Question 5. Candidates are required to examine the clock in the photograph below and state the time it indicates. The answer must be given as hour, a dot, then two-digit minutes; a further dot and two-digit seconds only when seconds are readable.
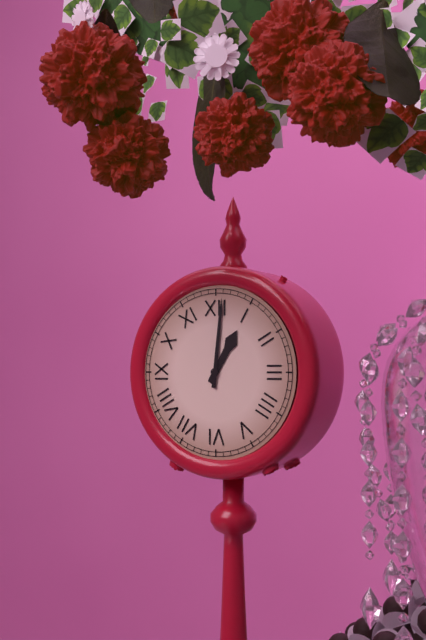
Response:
1.01
